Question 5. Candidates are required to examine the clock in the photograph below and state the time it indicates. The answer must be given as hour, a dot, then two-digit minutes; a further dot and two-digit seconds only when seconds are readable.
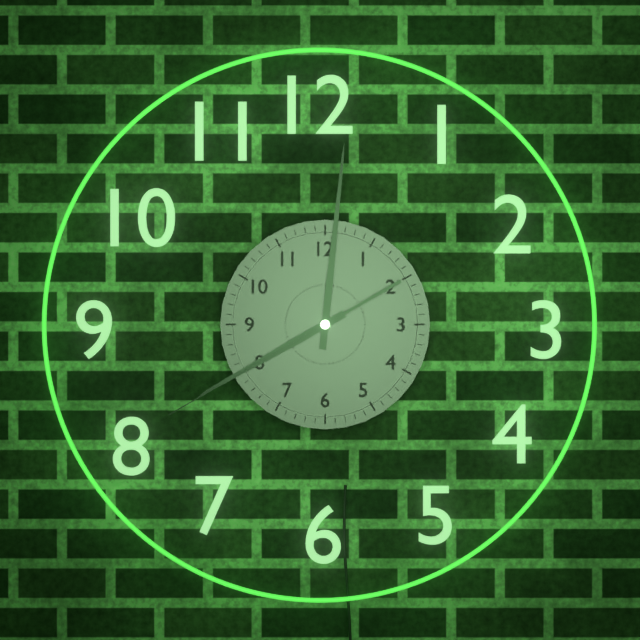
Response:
8.01.40
